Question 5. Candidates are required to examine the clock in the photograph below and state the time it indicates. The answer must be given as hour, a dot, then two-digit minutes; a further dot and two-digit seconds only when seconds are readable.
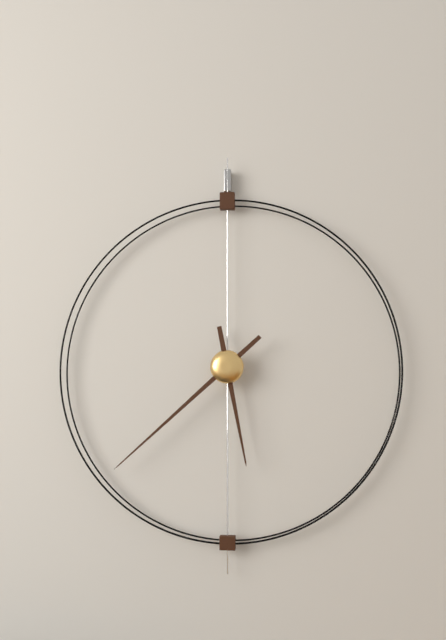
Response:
5.38
